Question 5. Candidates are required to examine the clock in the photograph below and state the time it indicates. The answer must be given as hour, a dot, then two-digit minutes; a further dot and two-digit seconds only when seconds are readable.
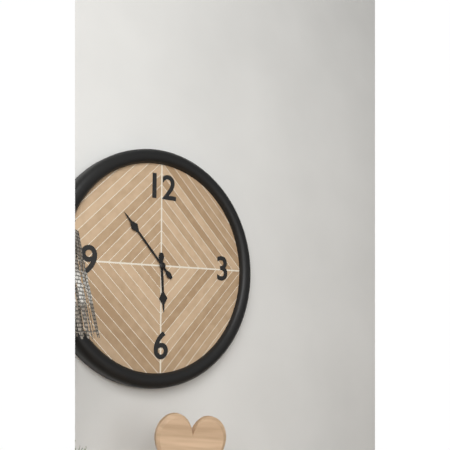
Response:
5.53
